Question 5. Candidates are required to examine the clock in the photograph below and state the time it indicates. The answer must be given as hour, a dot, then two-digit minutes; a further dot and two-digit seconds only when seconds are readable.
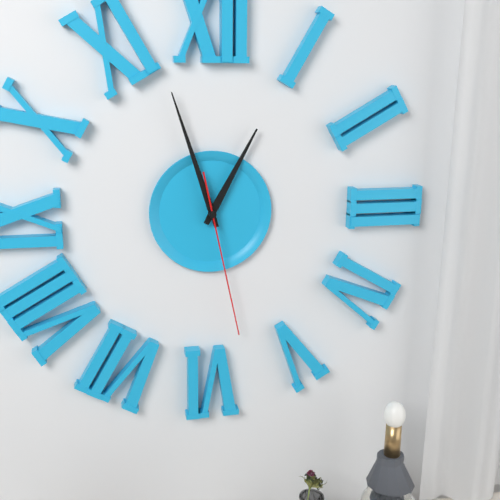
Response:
12.57.28
